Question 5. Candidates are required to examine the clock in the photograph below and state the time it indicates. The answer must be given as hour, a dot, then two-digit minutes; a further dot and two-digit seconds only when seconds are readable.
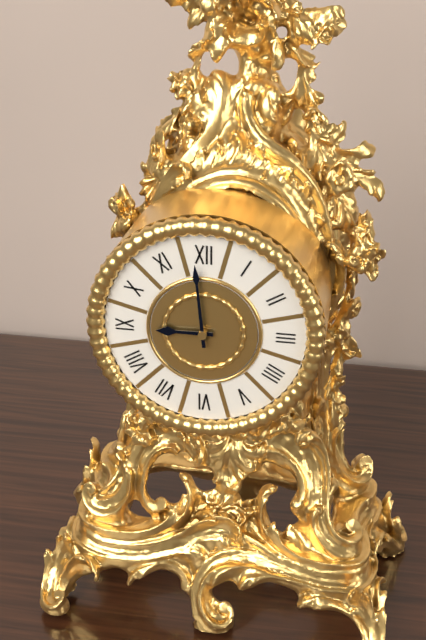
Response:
8.59
